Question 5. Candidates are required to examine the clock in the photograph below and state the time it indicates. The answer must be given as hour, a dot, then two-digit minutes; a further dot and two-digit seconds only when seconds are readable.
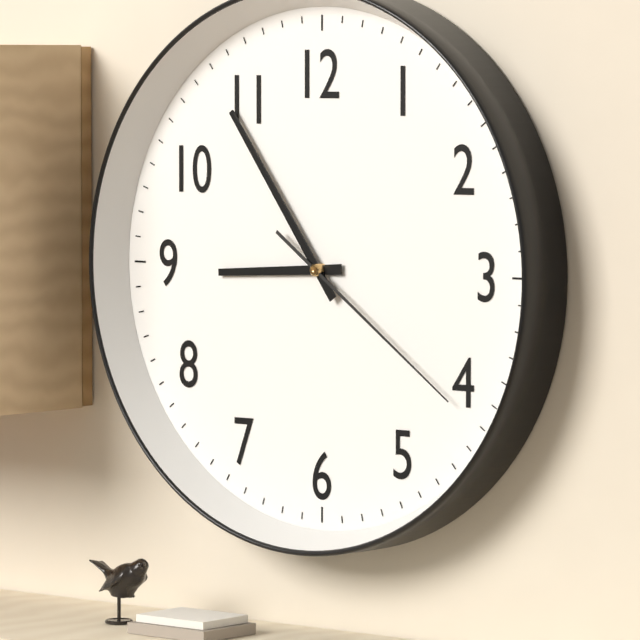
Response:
8.54.21
